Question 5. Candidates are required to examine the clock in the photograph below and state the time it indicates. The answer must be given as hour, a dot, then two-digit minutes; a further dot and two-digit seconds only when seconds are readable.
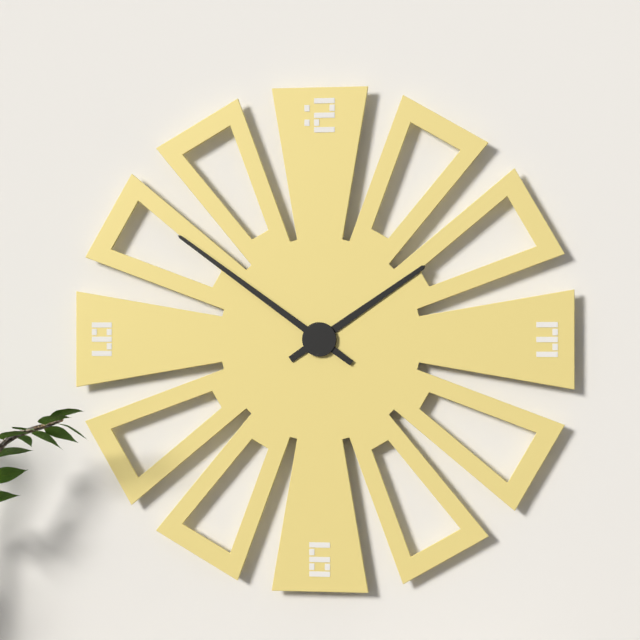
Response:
1.51
